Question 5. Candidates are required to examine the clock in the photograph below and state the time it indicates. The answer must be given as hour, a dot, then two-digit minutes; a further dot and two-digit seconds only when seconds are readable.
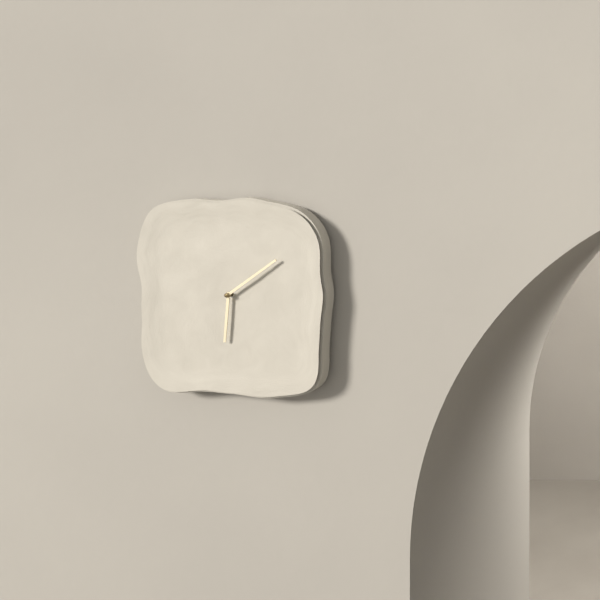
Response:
6.09
